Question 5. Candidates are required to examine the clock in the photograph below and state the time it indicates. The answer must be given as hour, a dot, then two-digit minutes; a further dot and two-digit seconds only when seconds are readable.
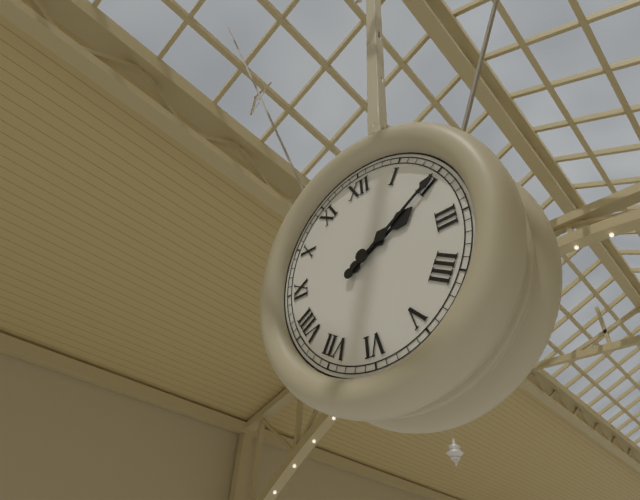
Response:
2.10
